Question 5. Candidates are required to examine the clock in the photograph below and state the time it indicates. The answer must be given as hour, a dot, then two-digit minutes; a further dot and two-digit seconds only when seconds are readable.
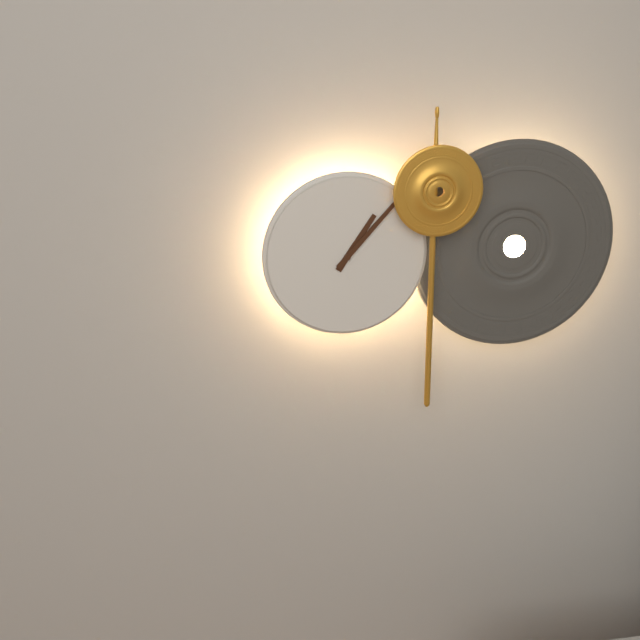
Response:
1.07
